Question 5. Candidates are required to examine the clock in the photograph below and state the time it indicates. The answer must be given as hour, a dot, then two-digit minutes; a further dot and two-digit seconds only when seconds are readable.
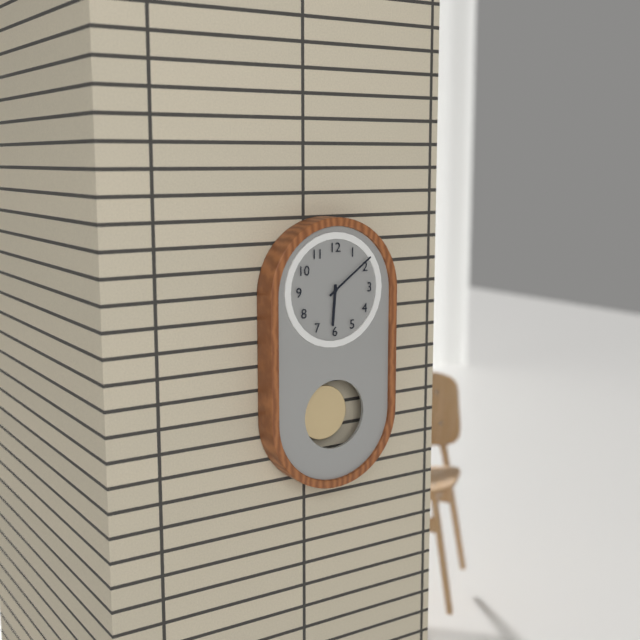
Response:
6.09
